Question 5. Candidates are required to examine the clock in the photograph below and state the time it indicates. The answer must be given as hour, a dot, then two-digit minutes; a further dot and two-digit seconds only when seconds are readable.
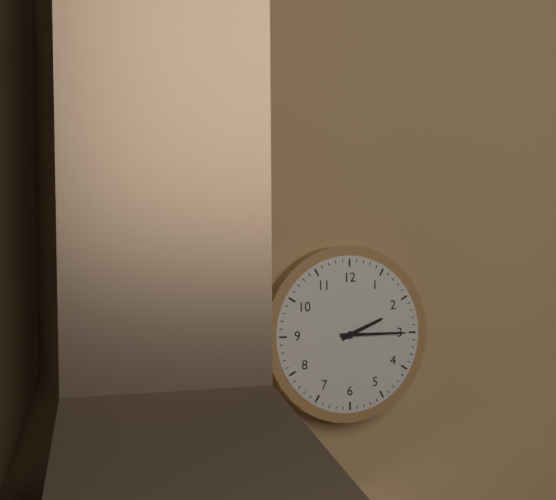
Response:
2.15
